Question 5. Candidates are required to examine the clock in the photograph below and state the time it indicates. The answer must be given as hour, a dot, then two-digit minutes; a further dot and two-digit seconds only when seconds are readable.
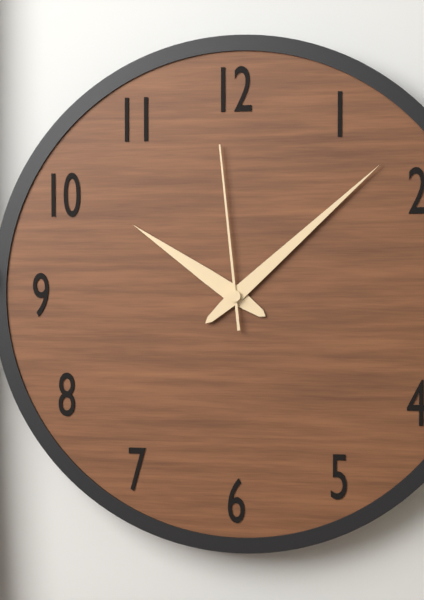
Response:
10.08.59
